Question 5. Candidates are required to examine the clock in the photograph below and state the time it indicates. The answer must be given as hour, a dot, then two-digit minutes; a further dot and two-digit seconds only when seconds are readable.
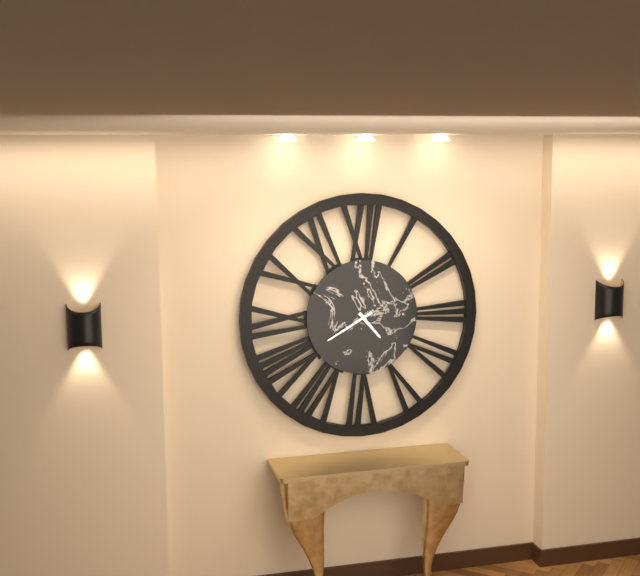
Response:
4.40
